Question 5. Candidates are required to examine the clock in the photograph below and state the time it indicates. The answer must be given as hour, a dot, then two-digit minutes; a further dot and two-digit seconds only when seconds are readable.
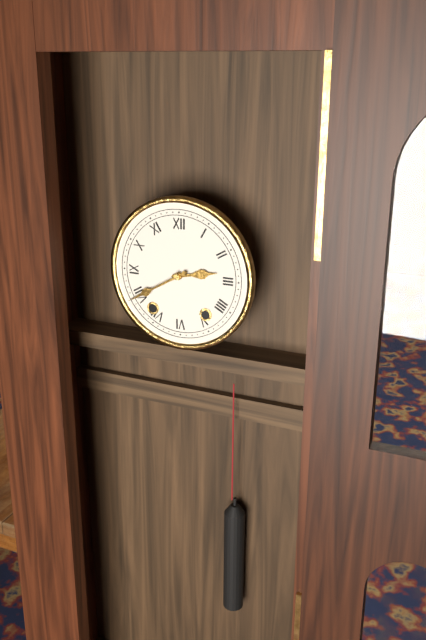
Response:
2.40
